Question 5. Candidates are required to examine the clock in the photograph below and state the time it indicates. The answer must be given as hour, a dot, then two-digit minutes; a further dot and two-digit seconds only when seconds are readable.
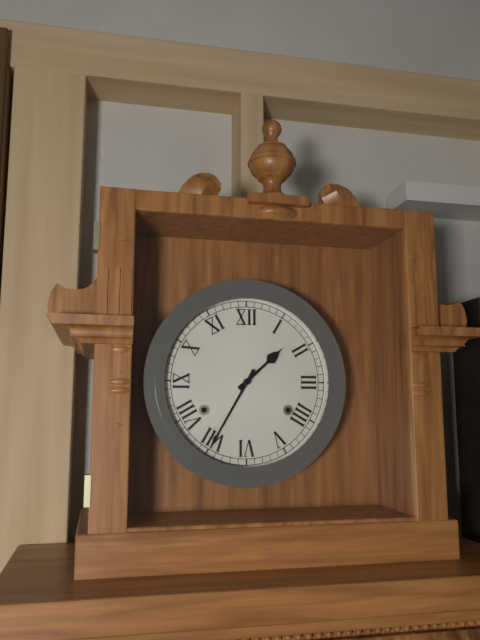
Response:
1.35
